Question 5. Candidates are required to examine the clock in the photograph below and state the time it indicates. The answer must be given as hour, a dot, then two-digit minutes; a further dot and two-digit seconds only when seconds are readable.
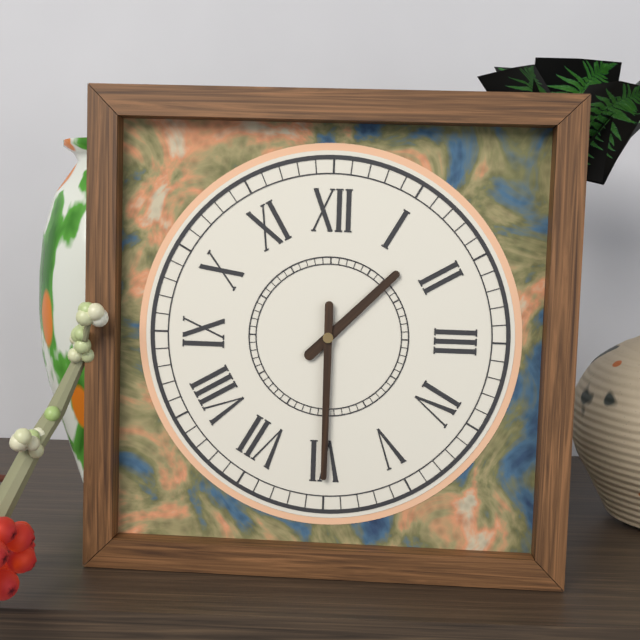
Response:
1.30
